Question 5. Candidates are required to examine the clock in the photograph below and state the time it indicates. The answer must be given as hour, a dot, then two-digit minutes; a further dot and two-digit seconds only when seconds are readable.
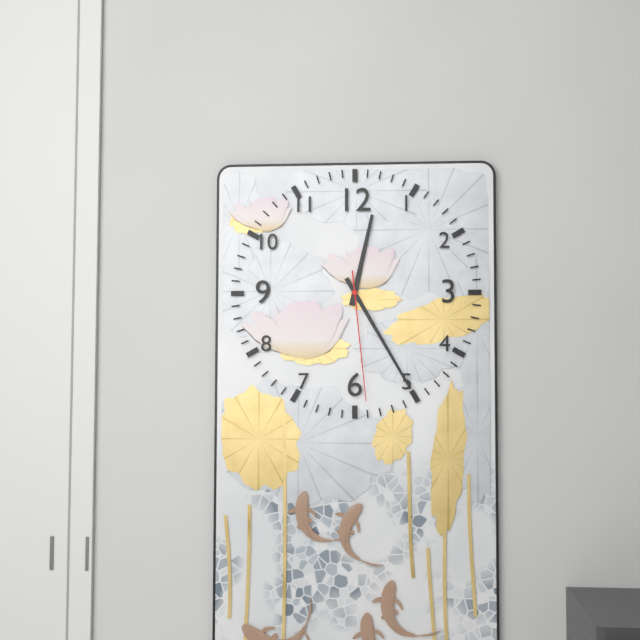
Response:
12.25.29
